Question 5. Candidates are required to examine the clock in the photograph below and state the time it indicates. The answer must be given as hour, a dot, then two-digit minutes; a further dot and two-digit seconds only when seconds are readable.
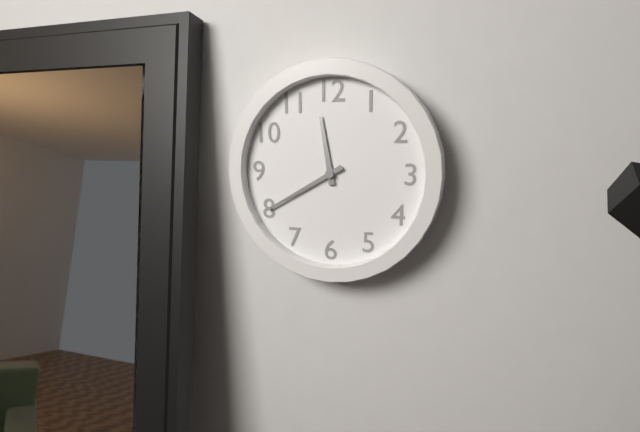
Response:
11.40
